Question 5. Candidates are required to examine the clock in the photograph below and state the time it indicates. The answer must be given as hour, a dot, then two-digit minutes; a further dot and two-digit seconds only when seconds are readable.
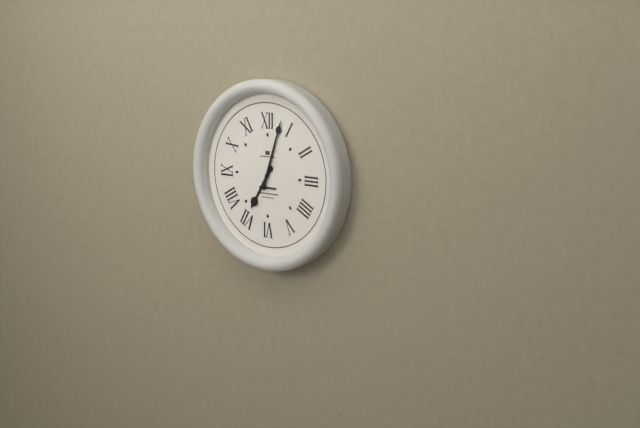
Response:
7.03
